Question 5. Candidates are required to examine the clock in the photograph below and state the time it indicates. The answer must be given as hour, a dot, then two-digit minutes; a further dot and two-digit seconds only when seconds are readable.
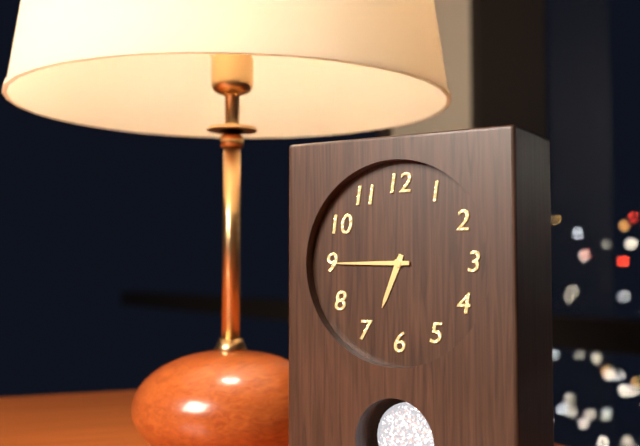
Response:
6.45
